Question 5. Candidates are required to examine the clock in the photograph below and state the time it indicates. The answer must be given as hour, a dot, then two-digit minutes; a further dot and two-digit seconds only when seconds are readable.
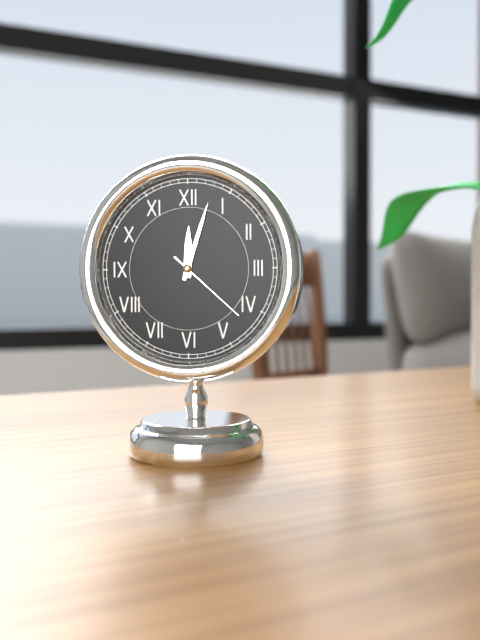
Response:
12.03.22
